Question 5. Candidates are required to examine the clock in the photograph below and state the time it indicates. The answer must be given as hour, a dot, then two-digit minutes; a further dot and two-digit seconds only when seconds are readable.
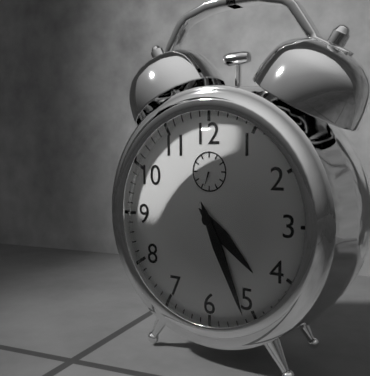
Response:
4.26
